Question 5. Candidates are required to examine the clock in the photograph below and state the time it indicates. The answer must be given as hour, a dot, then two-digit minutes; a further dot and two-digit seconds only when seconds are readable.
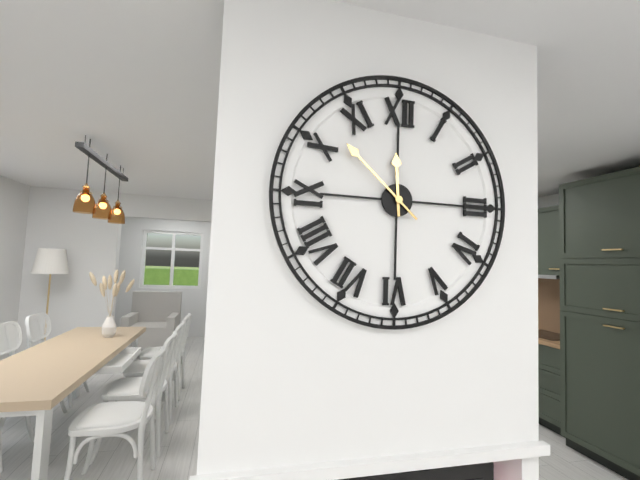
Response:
11.52
